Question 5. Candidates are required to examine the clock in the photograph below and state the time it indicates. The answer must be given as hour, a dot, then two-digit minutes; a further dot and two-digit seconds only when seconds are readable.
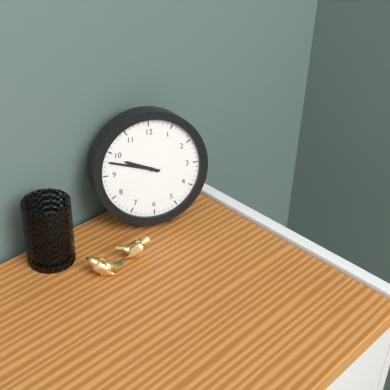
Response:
9.48
